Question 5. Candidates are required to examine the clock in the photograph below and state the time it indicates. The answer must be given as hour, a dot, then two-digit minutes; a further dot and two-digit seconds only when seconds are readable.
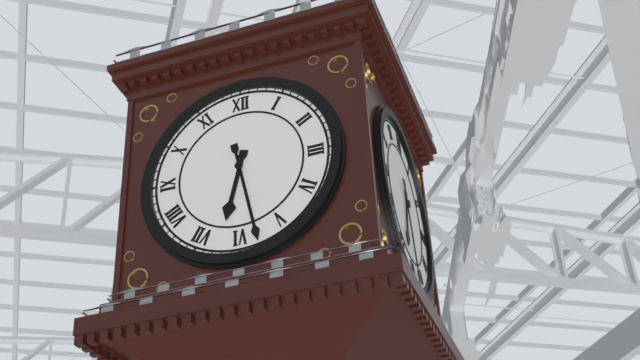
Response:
6.28
